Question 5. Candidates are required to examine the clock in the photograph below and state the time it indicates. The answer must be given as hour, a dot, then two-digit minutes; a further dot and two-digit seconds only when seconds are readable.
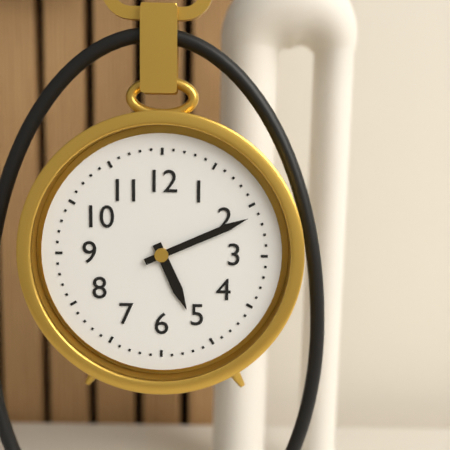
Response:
5.11
